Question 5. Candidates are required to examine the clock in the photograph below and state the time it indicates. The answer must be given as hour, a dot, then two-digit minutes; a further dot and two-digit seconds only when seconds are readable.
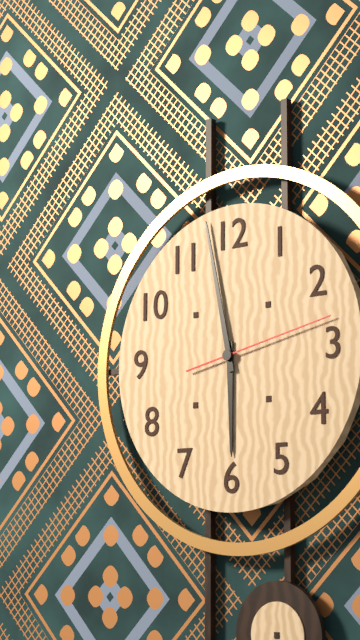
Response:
5.58.13
